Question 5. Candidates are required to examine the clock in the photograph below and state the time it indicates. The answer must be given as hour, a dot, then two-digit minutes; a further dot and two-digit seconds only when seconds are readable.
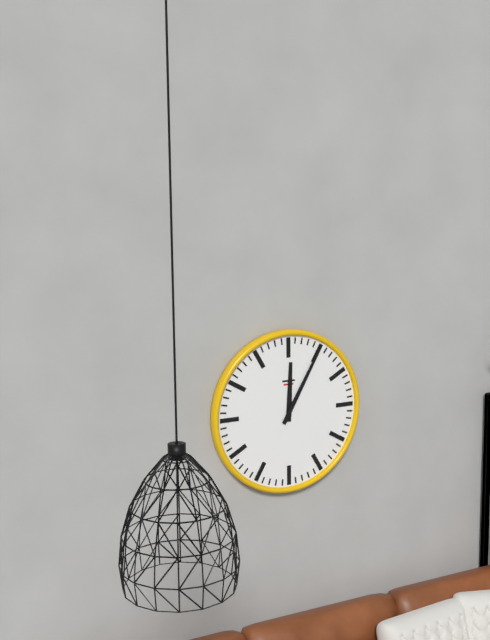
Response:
12.05
